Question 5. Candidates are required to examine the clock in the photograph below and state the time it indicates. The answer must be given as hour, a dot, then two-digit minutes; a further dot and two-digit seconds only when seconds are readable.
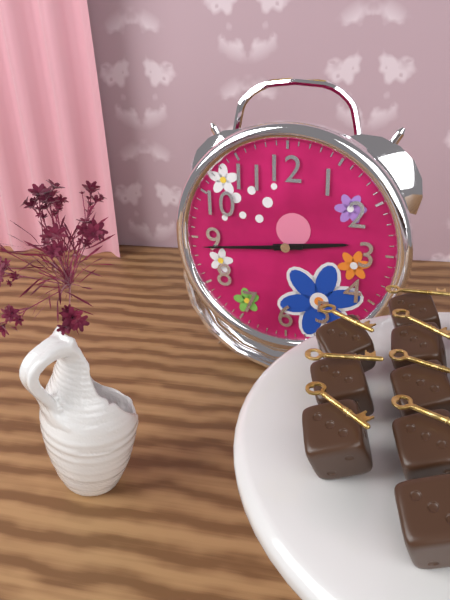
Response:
2.44
